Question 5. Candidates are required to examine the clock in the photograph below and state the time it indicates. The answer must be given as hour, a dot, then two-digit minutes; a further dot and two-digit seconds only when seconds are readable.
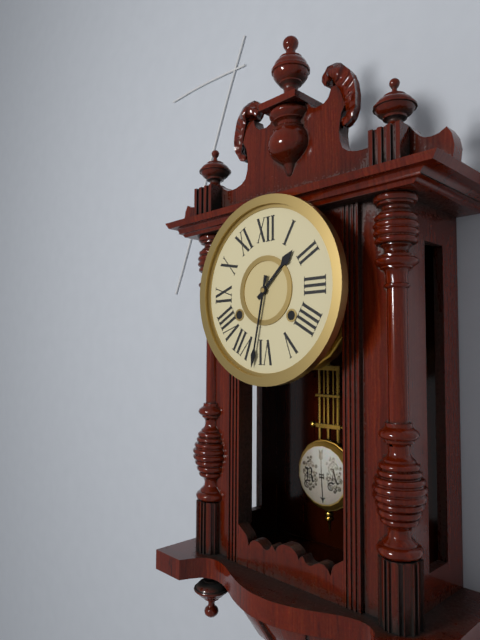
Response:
1.32
